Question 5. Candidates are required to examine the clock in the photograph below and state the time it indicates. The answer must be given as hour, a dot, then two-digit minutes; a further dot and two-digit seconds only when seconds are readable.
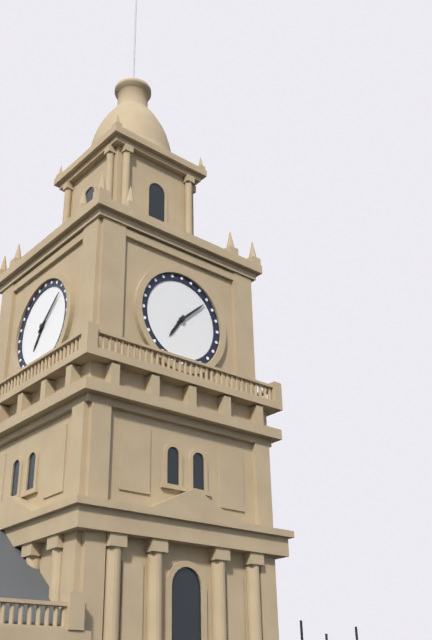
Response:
7.08
